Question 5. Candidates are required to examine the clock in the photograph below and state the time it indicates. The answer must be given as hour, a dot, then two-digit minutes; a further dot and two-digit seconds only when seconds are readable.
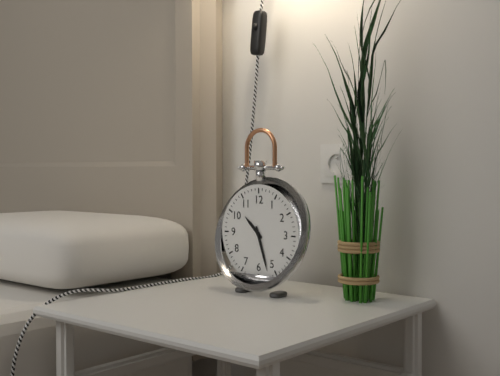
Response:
10.27
